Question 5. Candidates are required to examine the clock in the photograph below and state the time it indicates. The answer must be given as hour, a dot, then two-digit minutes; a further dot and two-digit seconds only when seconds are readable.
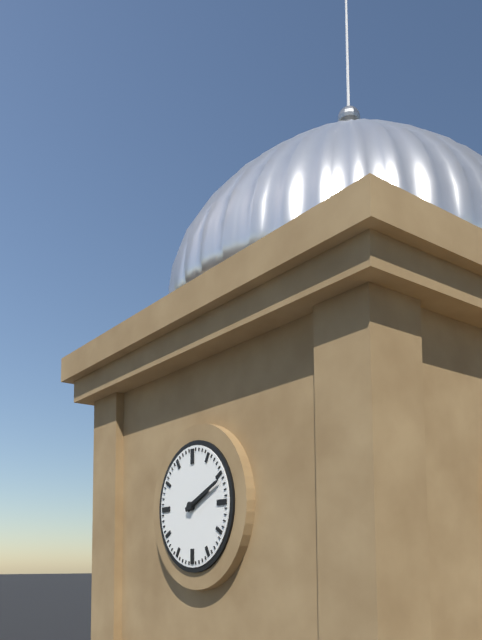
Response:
2.11
